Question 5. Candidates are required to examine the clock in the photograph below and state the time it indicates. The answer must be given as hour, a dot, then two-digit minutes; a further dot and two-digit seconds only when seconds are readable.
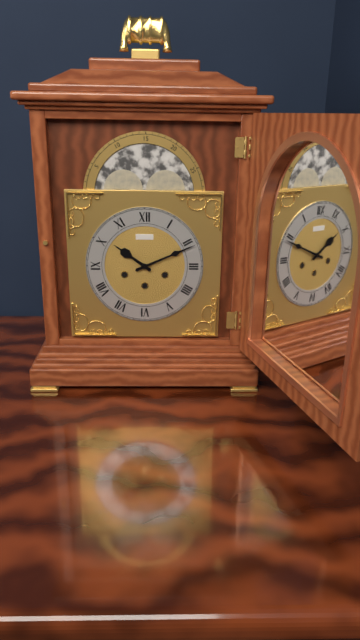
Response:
10.11
